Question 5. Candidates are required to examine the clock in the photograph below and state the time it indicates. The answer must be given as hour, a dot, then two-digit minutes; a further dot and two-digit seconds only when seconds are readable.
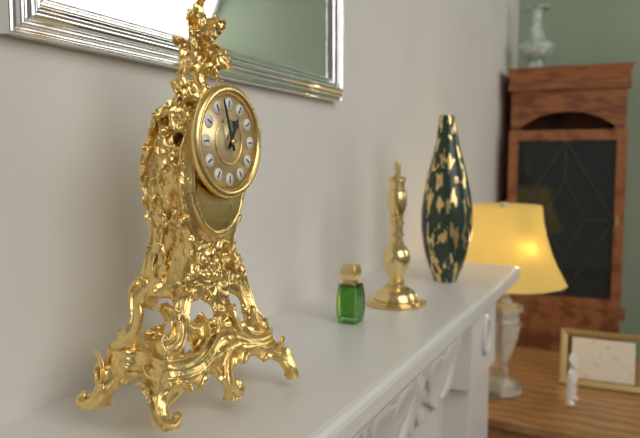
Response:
12.57
